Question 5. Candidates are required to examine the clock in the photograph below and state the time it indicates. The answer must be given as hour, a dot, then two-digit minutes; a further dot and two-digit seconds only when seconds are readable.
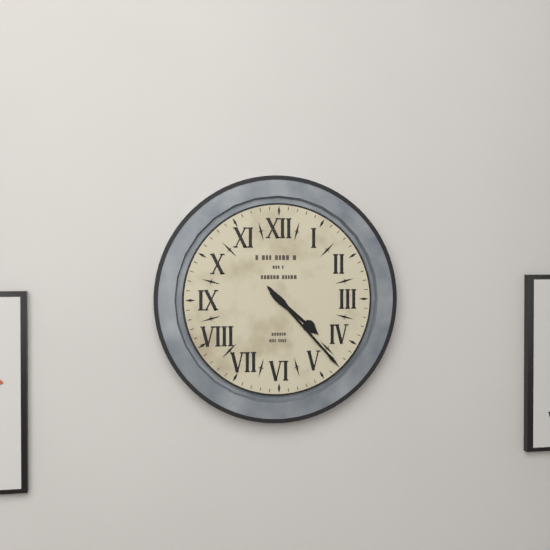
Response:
4.23
